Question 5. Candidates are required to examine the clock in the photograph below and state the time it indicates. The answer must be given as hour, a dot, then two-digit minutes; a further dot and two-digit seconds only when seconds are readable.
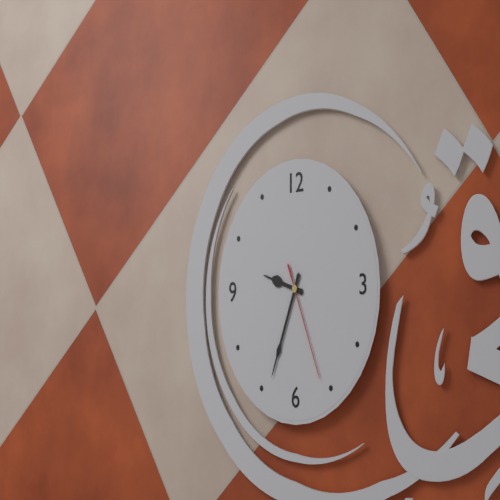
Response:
9.34.26
